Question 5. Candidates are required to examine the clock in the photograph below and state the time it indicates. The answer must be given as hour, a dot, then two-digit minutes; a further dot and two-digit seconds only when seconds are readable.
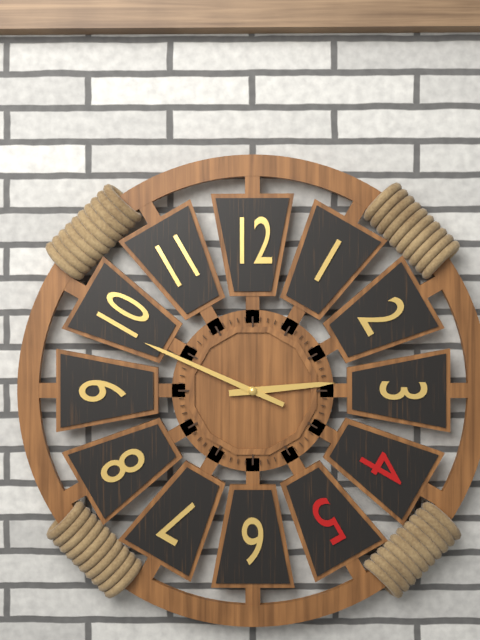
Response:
2.49
